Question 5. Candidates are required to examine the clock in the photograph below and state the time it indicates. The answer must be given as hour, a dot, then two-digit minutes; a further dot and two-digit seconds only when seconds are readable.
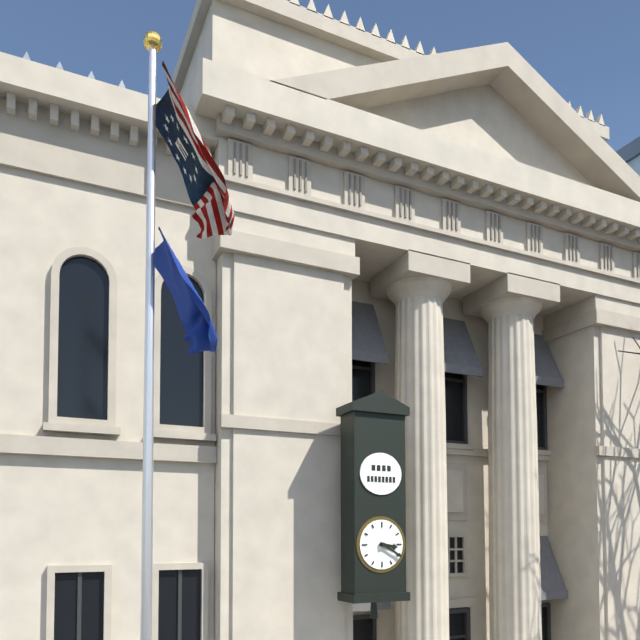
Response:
3.20
